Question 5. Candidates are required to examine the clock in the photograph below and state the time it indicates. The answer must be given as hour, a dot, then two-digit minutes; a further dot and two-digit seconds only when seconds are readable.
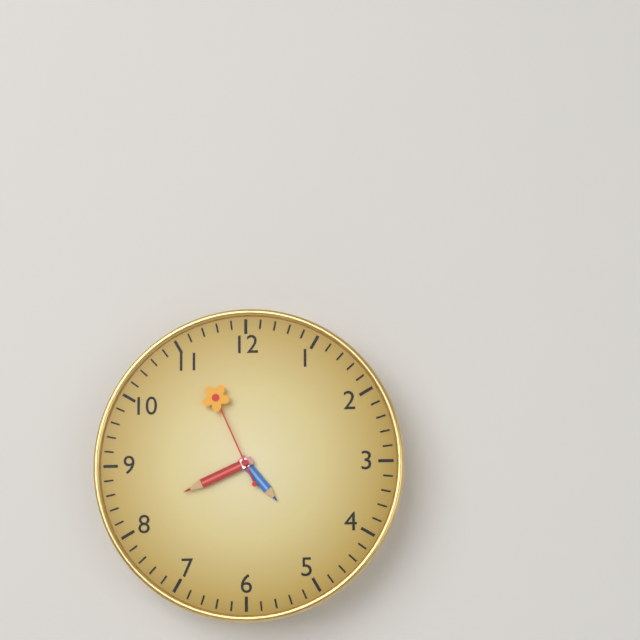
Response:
4.41.56
